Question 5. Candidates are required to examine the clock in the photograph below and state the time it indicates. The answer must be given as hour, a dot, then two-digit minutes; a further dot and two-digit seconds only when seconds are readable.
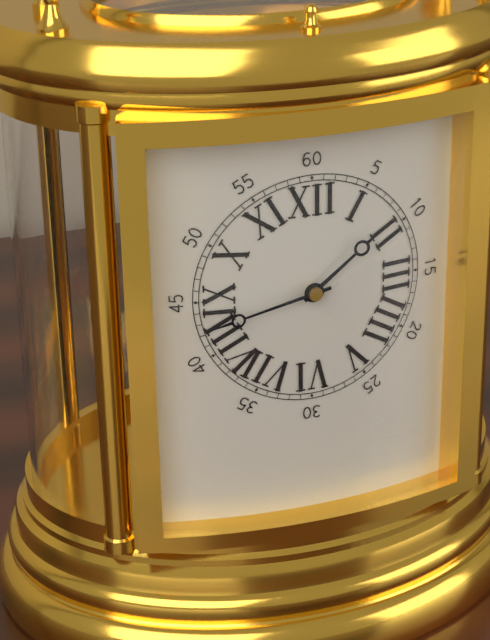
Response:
1.43
